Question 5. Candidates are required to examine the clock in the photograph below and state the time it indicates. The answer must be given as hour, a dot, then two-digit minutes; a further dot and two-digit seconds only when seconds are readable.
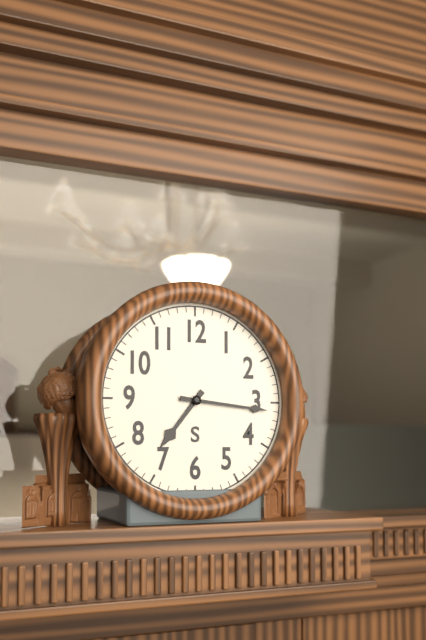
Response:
7.16
